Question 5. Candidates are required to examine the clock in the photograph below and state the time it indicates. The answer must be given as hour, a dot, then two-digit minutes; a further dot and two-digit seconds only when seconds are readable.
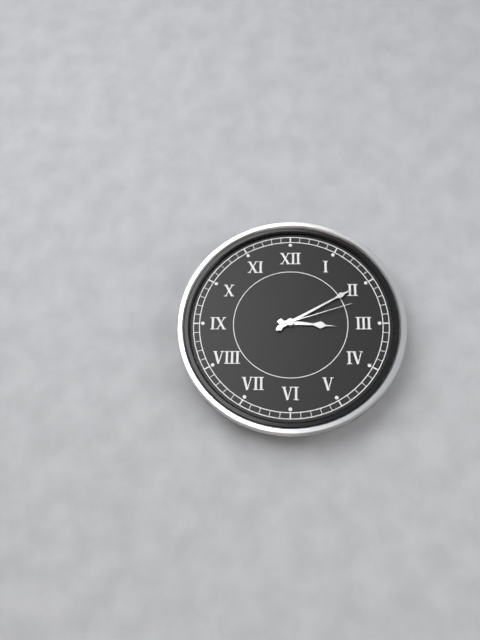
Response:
3.10.12
